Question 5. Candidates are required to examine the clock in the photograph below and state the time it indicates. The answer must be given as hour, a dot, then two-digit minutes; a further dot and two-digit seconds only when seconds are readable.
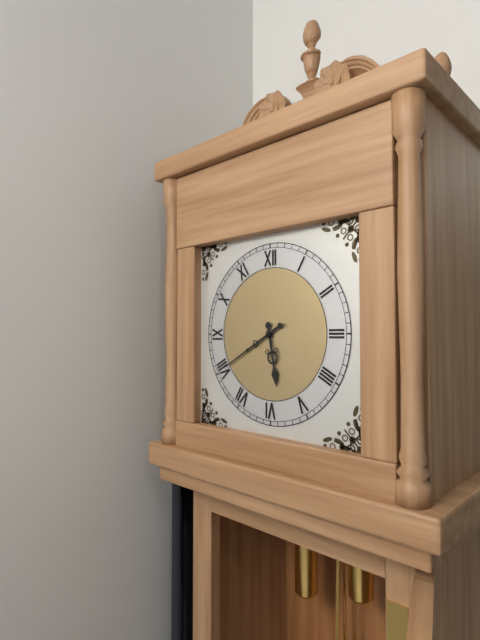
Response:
5.40
